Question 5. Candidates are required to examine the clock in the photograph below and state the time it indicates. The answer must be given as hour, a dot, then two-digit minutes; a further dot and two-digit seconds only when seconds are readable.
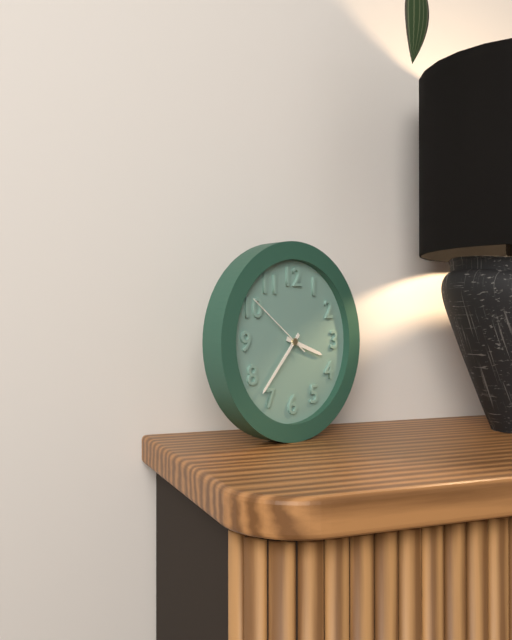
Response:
3.37.51
